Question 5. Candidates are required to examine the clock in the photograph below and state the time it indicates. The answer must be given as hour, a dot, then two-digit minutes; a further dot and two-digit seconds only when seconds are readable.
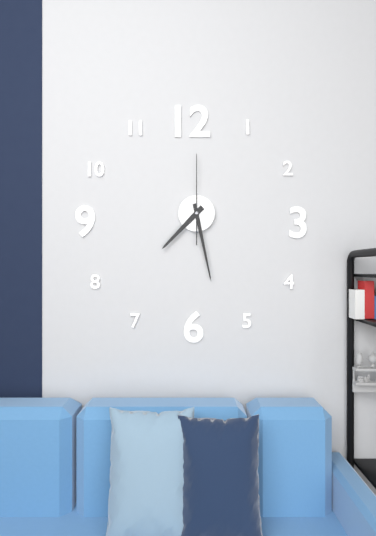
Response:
7.28.00
